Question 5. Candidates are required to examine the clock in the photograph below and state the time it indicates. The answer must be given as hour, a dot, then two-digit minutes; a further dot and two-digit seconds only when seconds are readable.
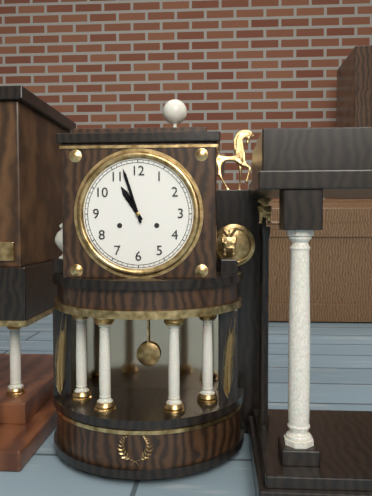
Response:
10.57
